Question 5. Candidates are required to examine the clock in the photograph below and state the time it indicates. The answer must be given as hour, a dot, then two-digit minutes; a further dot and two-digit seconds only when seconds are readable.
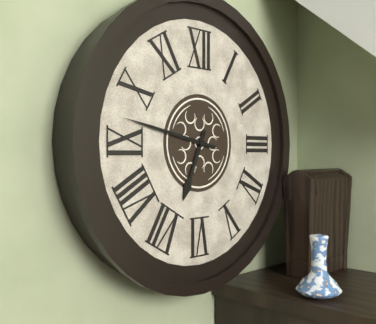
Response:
6.47
